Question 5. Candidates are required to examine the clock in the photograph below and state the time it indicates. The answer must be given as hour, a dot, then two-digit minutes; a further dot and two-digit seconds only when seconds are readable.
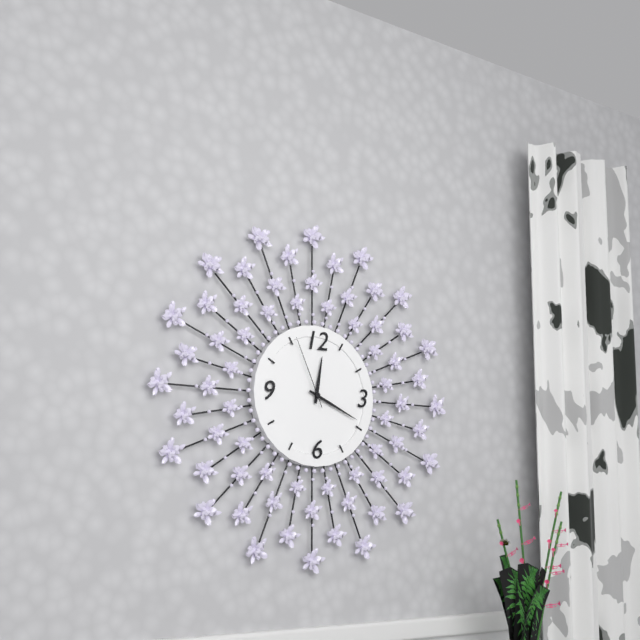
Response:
12.19.56
